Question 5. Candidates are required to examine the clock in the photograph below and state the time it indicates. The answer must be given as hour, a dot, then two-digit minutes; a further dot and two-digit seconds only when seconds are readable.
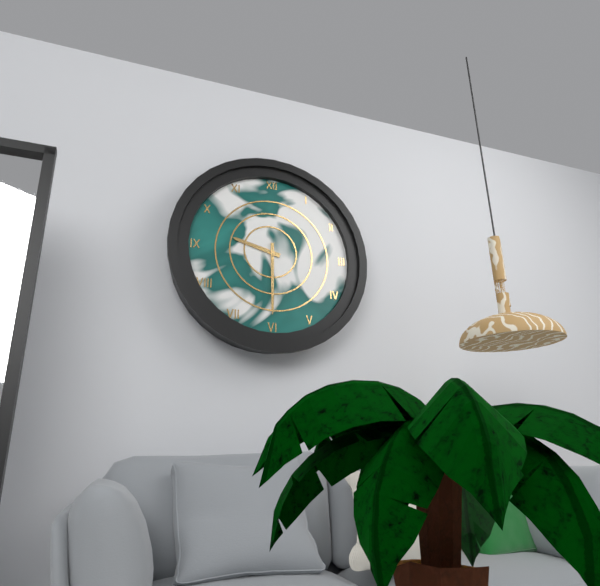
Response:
9.30
